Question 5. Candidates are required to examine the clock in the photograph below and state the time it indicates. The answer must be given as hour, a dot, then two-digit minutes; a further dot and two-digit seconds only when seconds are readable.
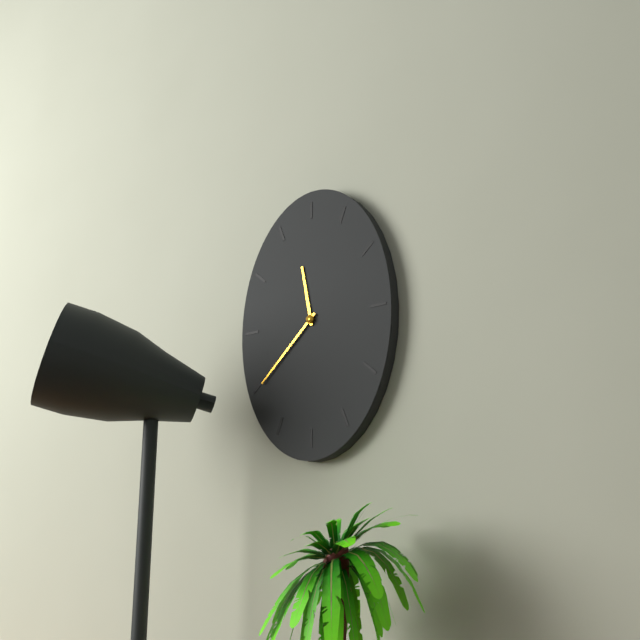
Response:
11.38
